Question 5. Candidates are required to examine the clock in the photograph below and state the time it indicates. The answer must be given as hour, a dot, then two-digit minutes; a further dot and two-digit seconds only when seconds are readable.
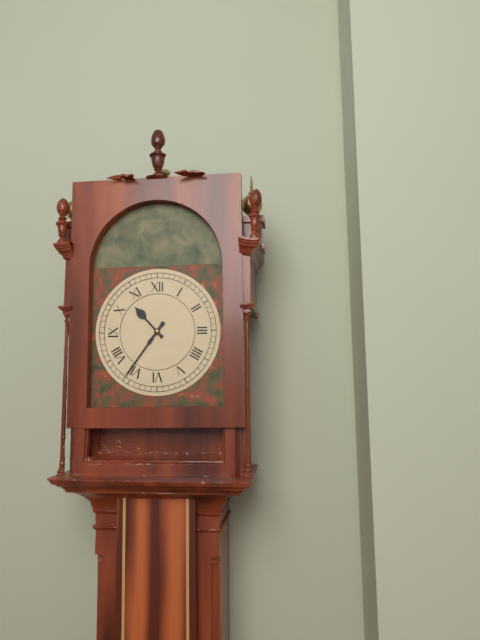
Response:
10.36
